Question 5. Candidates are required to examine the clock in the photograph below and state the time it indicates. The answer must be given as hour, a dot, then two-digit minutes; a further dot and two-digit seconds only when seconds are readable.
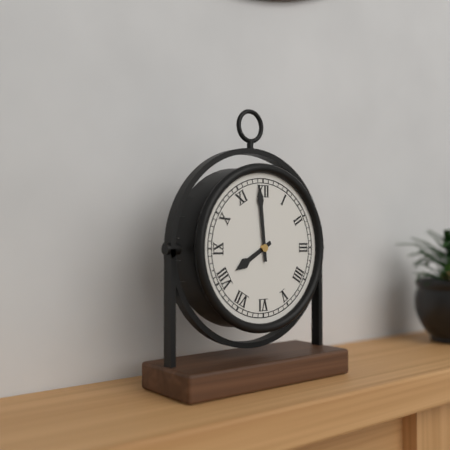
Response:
7.59
